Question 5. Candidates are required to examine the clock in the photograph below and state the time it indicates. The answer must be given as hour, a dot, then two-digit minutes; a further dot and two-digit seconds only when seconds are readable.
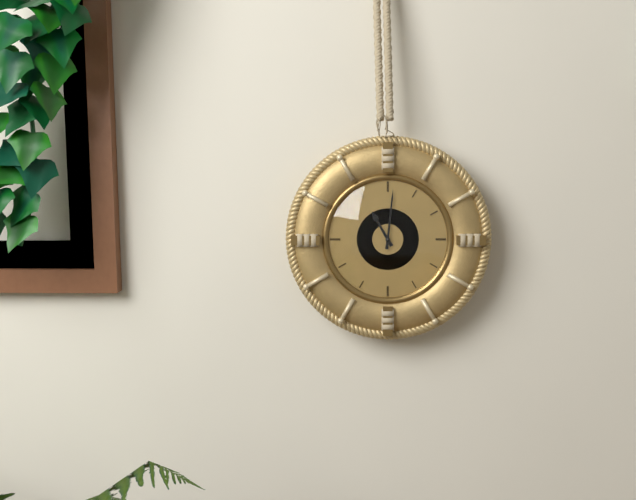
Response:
11.01
